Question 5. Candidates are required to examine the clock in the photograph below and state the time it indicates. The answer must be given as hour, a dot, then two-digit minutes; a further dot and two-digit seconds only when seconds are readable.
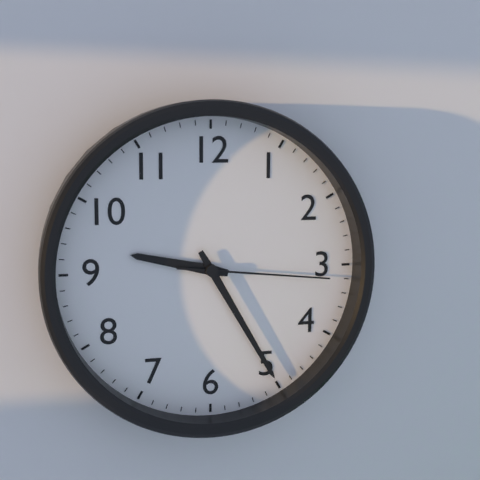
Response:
9.25.16
